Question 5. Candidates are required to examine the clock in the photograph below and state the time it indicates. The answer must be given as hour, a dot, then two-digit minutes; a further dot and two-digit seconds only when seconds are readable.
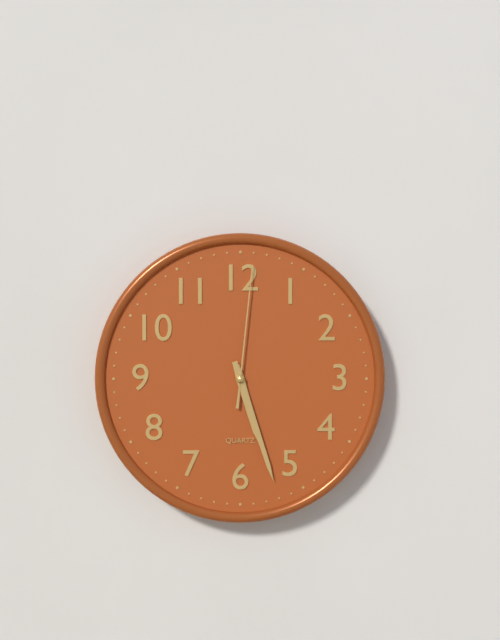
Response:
5.27.01
